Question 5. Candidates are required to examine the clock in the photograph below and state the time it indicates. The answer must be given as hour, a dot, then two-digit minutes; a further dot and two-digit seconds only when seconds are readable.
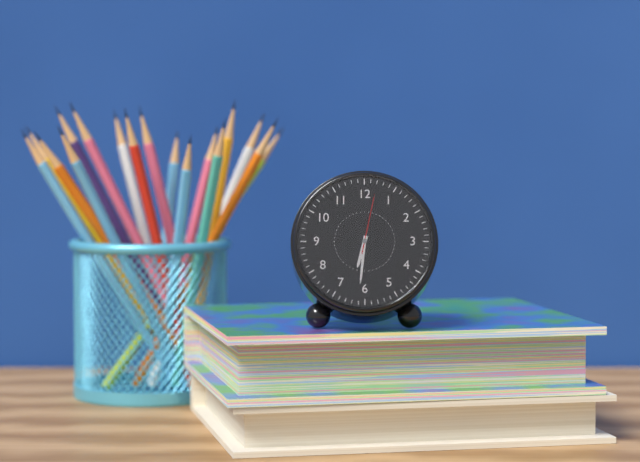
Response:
6.31.02
